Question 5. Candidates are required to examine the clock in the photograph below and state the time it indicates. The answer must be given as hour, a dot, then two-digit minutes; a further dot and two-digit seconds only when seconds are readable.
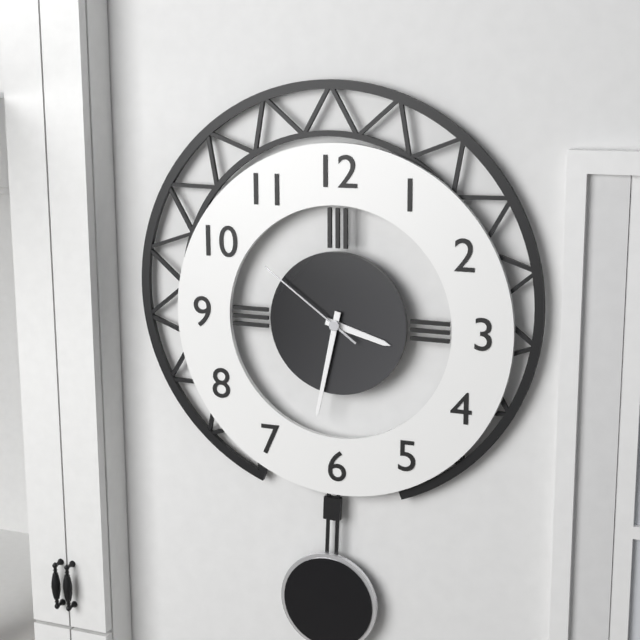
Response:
3.32.51
